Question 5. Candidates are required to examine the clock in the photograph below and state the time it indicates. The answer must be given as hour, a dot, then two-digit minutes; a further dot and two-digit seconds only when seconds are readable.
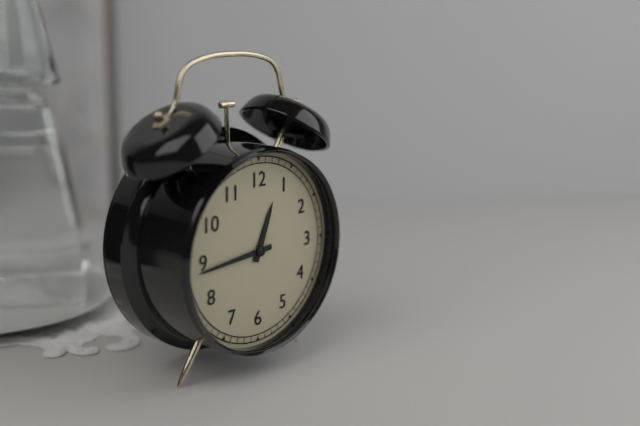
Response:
12.44
